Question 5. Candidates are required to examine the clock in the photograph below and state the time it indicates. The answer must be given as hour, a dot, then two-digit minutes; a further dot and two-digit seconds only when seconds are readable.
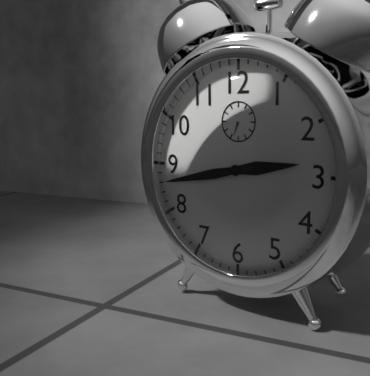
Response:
2.43
